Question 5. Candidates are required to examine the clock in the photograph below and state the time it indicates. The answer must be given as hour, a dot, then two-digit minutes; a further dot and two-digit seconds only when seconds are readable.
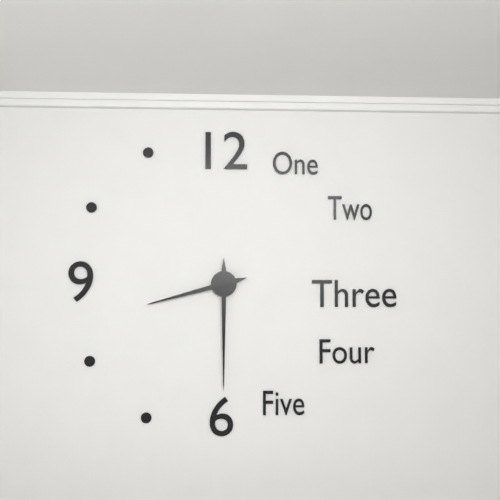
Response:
8.30
